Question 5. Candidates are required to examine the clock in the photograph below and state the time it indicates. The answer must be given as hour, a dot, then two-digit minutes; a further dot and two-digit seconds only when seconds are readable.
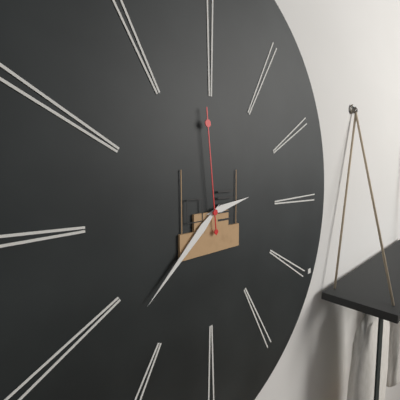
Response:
2.38.59
